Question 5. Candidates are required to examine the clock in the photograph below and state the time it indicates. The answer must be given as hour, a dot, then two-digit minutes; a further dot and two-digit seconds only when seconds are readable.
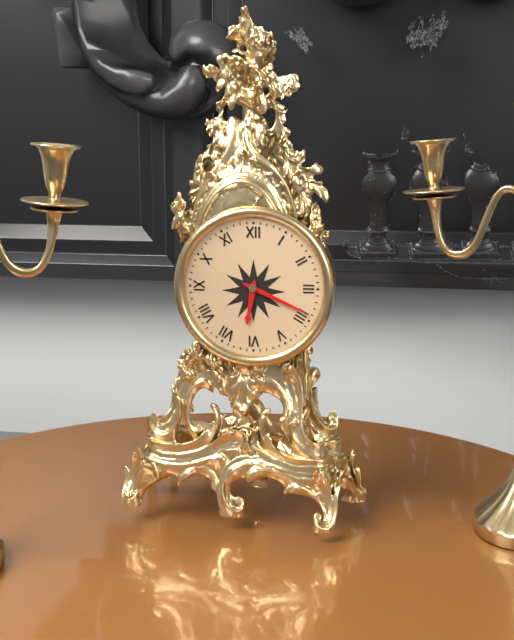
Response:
6.19
